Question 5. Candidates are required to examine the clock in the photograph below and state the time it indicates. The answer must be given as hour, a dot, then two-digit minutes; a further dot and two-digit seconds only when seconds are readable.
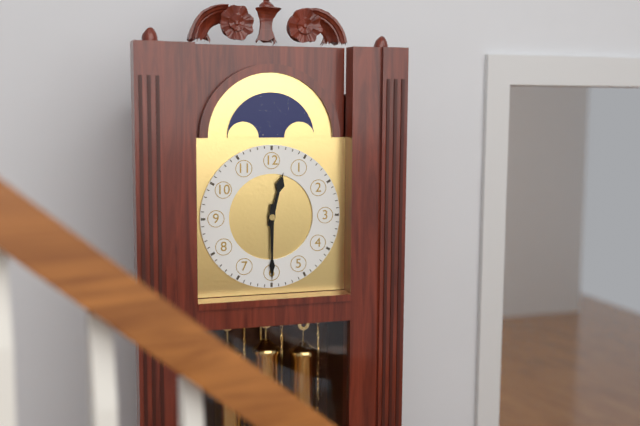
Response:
12.30
